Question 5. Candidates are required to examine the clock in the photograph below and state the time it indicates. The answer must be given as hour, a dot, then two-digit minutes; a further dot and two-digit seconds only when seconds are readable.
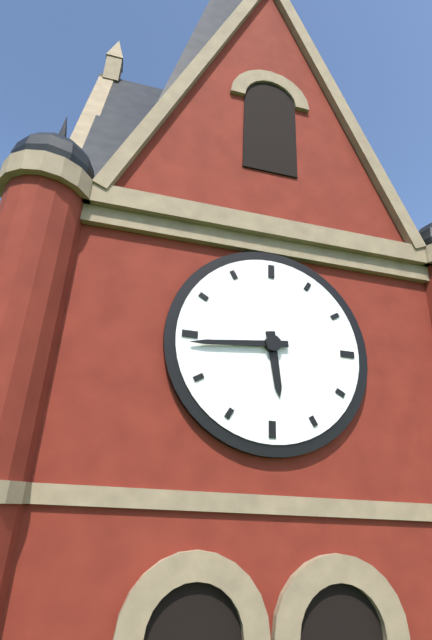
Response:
5.44
